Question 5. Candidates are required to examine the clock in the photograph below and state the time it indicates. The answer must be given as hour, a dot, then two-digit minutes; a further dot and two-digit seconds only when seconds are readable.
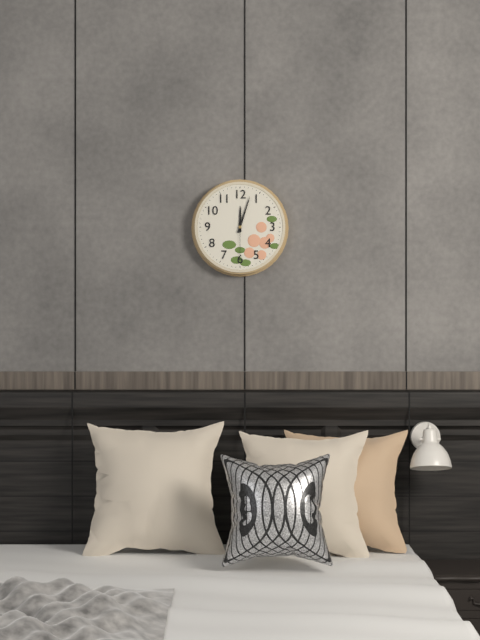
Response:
12.03
